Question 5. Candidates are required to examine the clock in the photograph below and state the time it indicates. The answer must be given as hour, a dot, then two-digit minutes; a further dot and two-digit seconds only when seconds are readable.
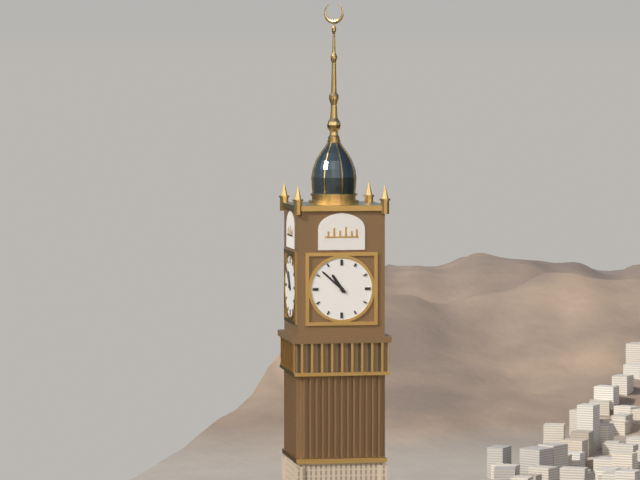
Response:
10.52
